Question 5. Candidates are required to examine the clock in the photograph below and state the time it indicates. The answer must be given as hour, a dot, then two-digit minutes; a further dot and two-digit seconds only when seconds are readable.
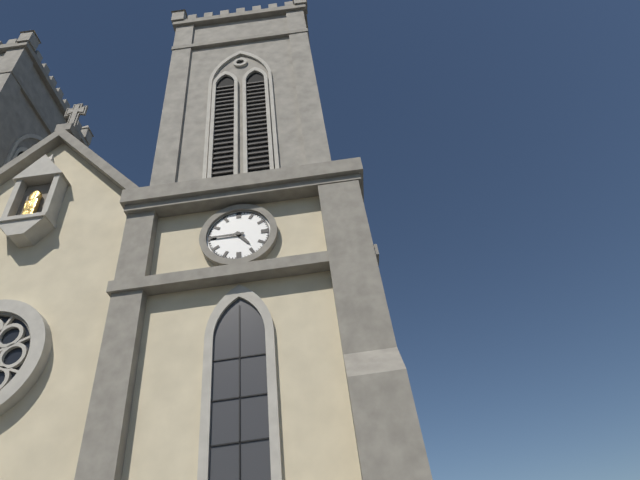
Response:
4.45
